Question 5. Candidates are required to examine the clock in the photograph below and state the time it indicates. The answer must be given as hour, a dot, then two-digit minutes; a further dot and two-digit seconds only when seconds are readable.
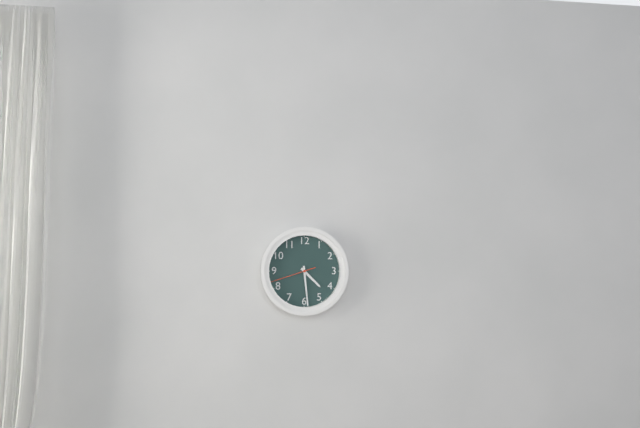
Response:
4.29
